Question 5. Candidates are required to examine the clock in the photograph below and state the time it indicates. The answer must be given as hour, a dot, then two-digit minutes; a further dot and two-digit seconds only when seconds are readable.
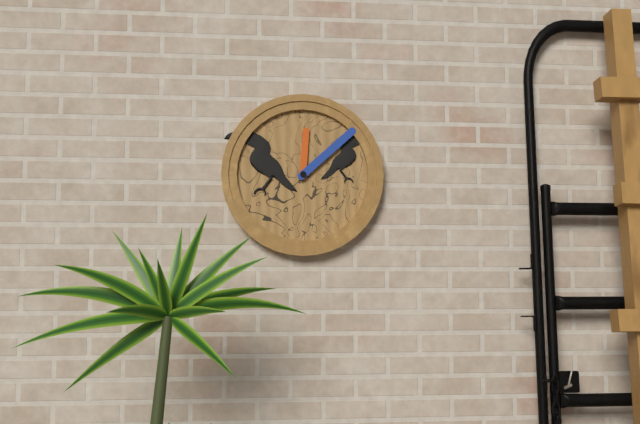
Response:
12.08
